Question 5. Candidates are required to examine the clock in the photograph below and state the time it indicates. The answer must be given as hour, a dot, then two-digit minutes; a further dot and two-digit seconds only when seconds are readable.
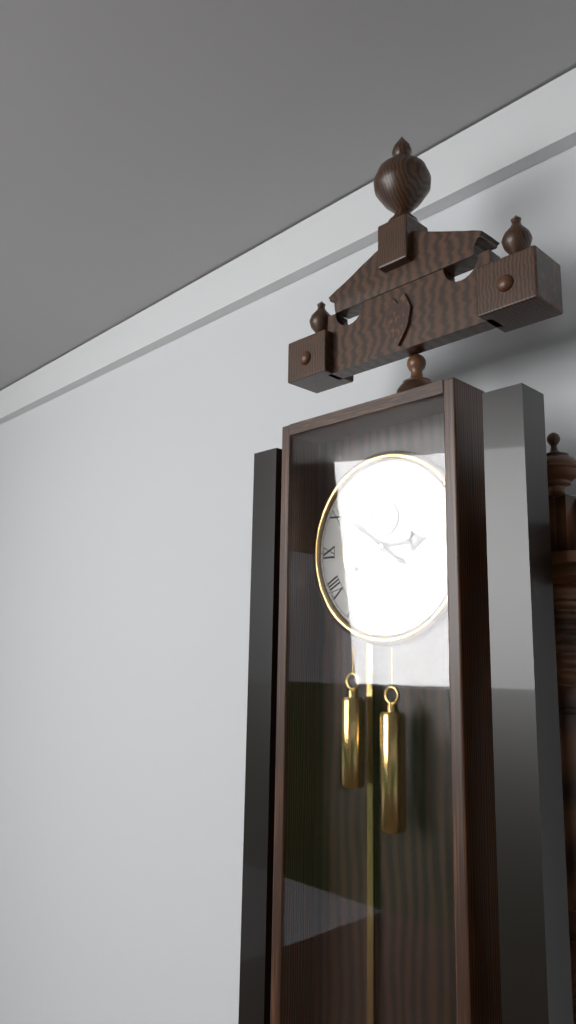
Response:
2.51
